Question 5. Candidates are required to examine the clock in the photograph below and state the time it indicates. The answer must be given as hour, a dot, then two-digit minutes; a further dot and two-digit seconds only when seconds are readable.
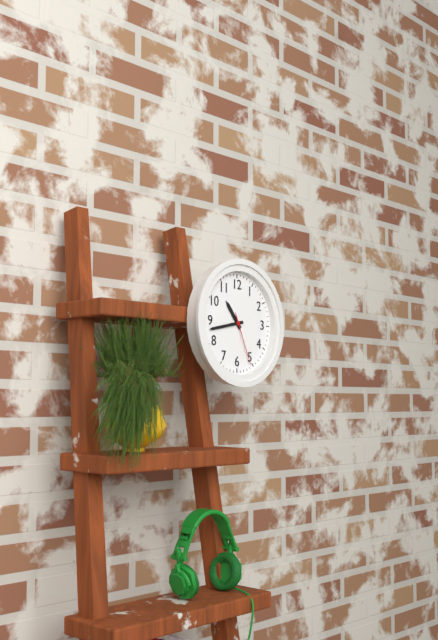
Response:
10.43.26
